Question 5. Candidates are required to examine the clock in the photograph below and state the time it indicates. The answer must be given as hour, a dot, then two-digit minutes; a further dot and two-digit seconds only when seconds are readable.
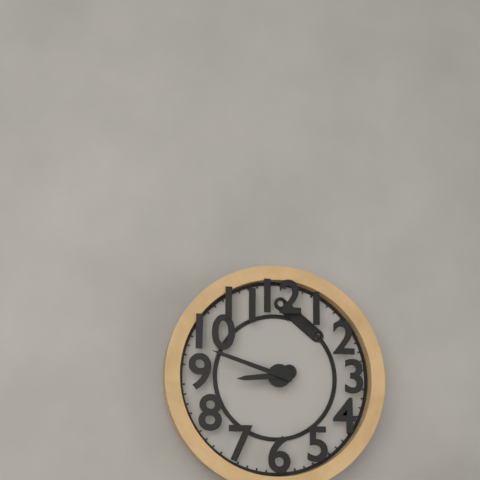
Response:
8.48
